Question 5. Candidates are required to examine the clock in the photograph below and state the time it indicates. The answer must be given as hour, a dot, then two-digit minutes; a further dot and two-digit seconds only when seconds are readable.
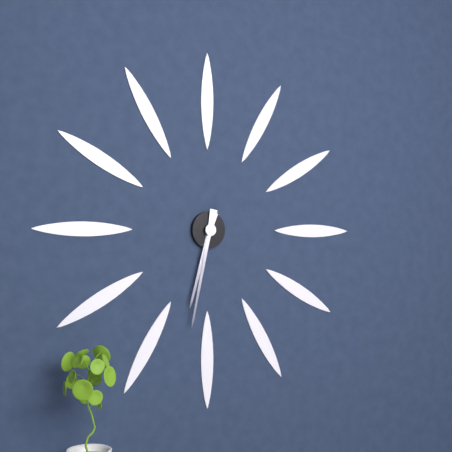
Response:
6.32
